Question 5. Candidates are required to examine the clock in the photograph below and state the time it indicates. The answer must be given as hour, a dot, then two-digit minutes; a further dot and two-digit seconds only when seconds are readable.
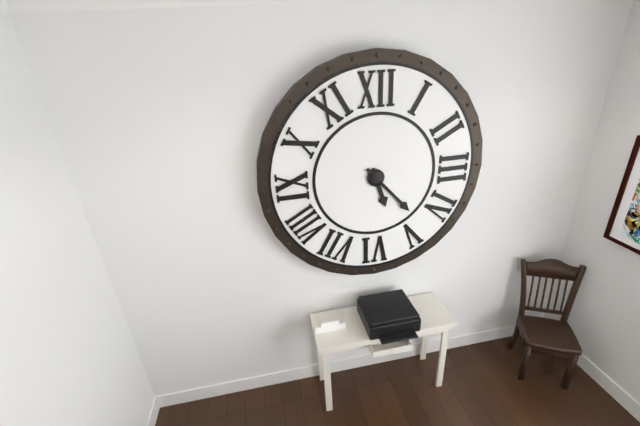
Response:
5.23
